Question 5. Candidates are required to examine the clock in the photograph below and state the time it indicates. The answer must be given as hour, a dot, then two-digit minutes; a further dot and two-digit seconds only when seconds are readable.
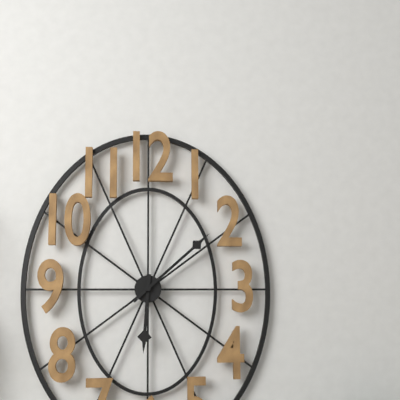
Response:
6.08
